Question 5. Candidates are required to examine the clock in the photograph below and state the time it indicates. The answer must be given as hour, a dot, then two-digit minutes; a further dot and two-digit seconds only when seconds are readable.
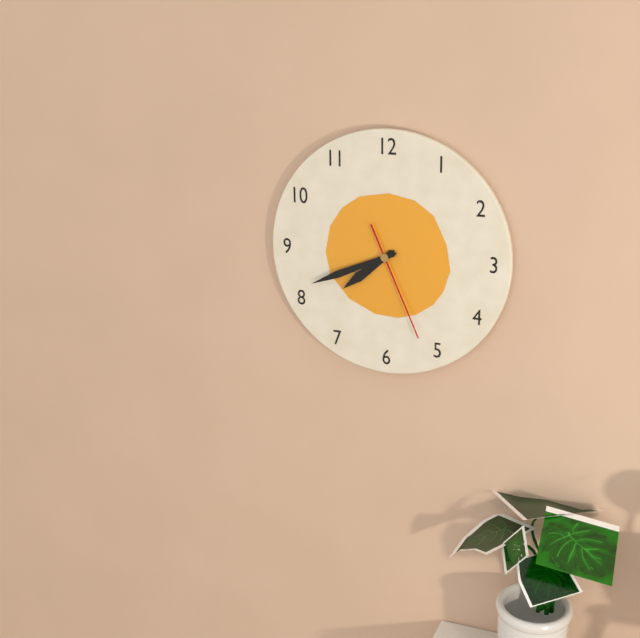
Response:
7.41.26
